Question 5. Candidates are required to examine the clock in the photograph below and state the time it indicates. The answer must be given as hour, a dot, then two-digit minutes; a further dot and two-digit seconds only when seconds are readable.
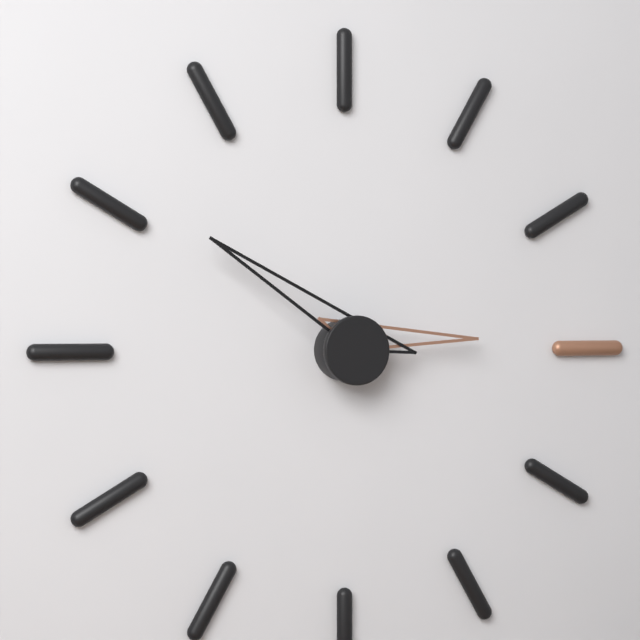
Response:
2.51
